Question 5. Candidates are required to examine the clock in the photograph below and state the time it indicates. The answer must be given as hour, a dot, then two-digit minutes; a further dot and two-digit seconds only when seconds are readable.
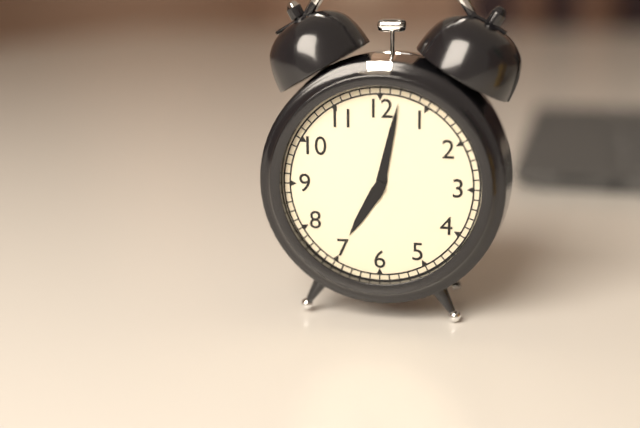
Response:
7.02
